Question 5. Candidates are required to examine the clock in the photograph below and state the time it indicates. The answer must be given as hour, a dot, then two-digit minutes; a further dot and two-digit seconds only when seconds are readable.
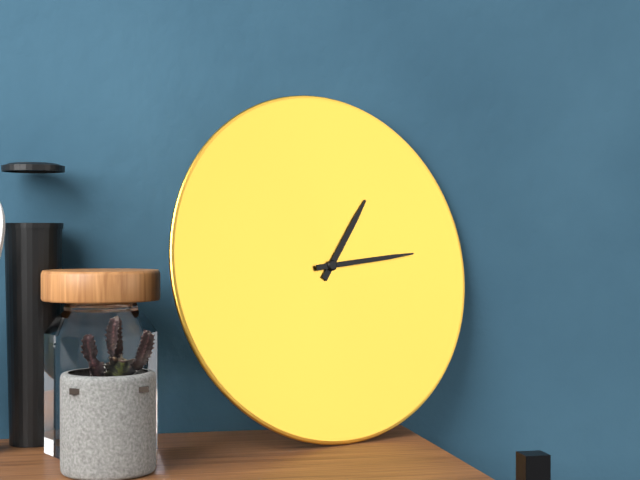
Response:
1.14
